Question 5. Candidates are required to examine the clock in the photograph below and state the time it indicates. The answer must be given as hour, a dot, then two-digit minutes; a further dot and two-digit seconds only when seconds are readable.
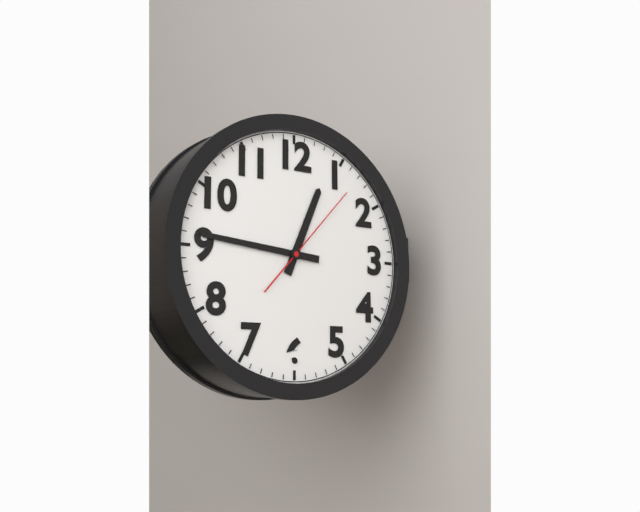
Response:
12.46.07
